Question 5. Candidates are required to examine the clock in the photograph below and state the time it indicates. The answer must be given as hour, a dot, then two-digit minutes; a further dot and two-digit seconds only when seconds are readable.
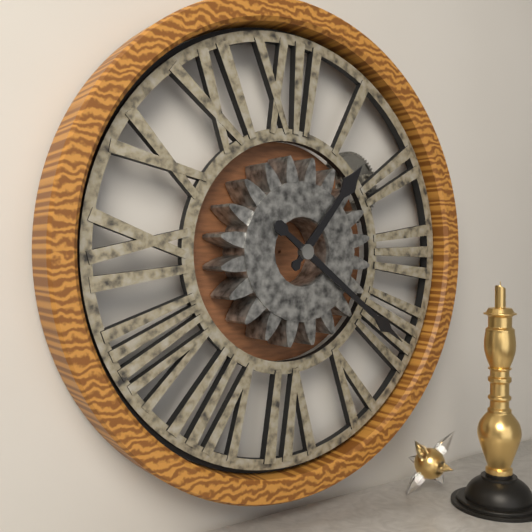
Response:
1.21
